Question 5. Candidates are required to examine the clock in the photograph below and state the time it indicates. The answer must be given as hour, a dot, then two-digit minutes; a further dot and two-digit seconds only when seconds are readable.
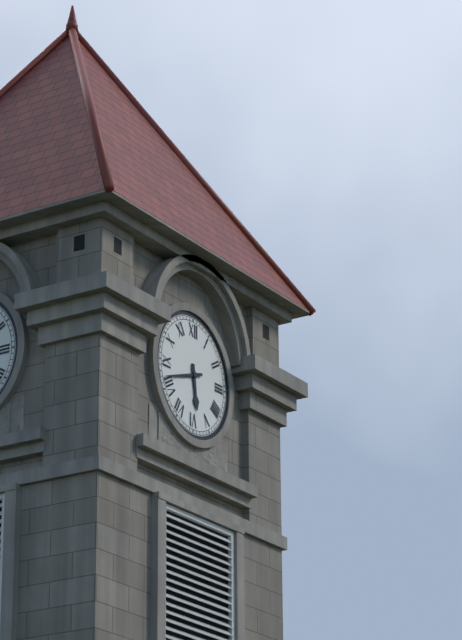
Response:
5.42
